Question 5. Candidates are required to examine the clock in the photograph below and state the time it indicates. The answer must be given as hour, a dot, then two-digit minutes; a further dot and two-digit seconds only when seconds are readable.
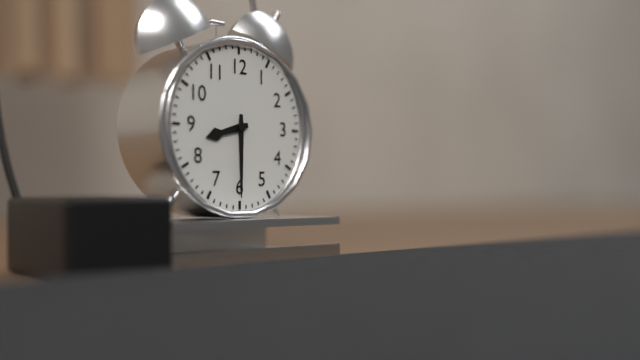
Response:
8.30
